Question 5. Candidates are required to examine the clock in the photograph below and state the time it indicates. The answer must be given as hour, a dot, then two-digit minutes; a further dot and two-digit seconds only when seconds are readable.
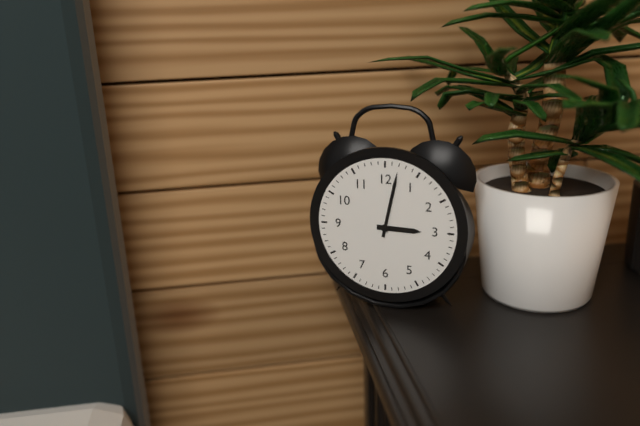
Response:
3.02
